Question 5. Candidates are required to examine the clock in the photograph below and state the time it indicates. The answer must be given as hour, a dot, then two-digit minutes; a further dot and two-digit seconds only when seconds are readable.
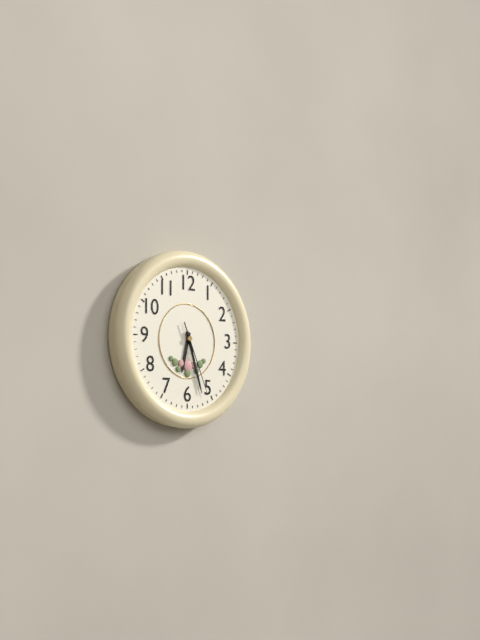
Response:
6.27.26
